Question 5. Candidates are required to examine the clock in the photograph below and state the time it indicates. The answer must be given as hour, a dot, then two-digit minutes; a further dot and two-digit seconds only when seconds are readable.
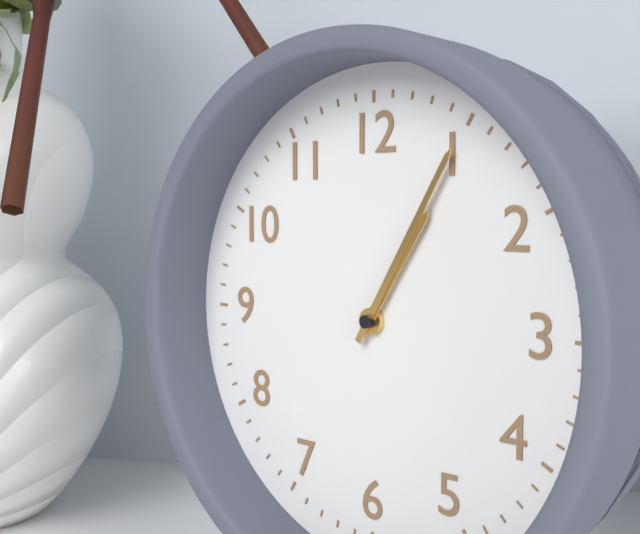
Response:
1.05
